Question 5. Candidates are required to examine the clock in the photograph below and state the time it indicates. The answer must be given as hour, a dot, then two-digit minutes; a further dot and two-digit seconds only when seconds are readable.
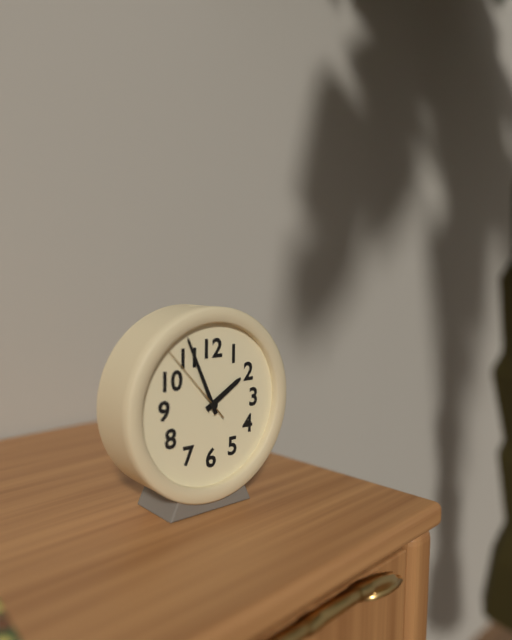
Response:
1.56.53
